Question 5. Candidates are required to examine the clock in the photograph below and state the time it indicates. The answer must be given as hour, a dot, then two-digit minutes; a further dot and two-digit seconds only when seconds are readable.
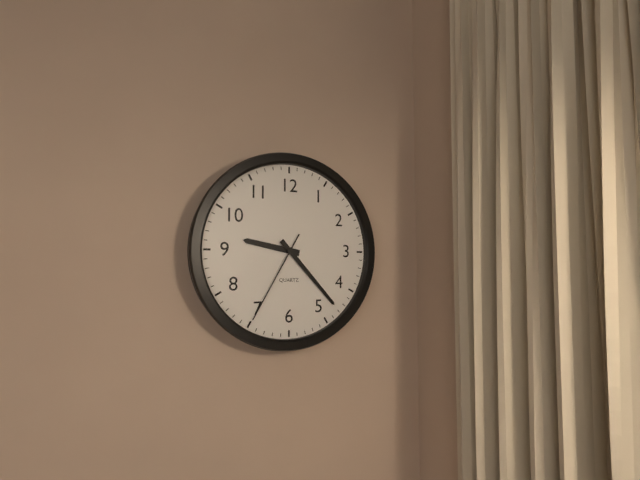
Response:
9.23.35
